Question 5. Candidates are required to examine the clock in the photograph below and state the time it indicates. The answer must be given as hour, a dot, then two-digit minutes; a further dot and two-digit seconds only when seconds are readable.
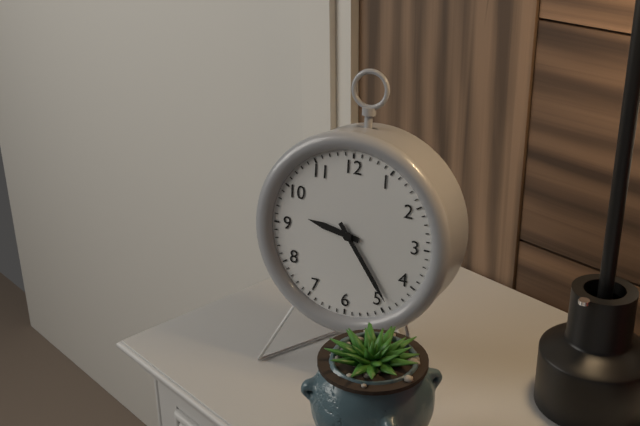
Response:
9.24
